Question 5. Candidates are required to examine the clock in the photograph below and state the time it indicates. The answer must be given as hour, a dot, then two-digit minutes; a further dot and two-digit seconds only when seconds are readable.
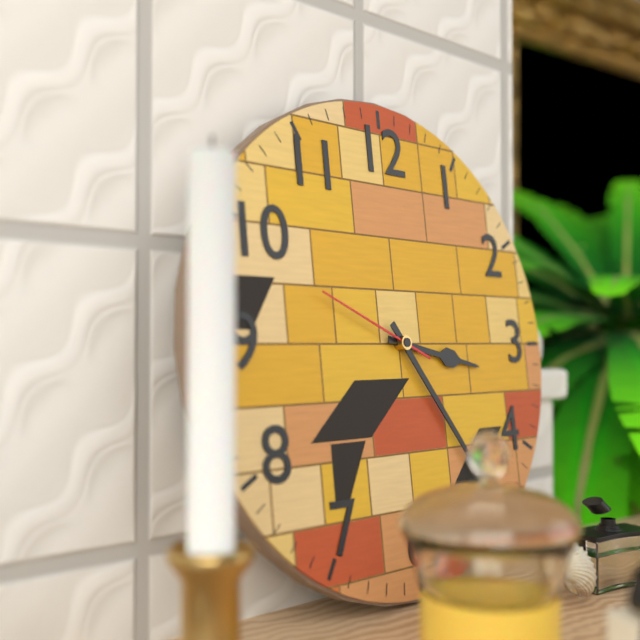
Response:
3.24.49
